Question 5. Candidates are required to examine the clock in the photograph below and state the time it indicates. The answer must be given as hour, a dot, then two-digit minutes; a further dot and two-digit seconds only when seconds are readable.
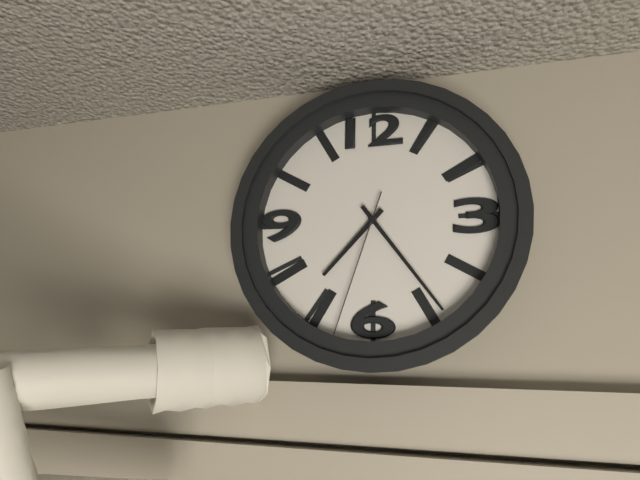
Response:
7.24.33
